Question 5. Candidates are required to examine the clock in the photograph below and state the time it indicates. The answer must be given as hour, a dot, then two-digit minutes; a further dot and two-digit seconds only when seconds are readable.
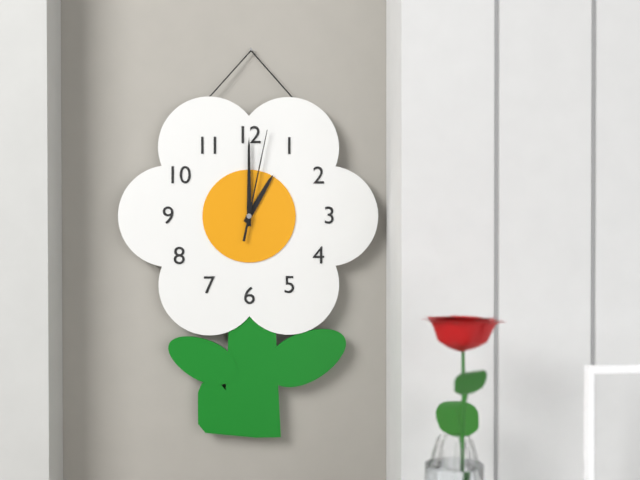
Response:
1.00.02
